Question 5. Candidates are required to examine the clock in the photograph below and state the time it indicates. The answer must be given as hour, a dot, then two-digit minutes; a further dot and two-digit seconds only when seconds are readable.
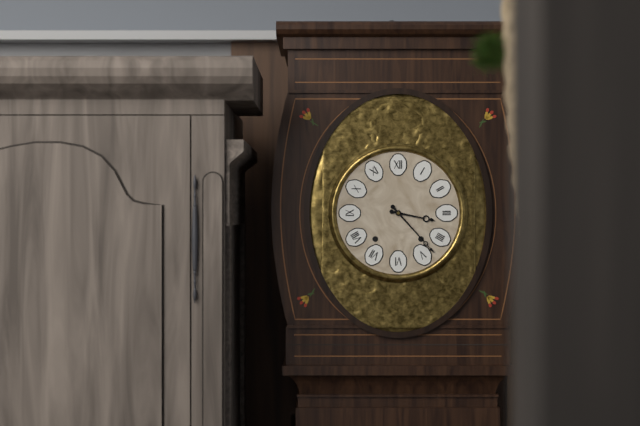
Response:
3.23
